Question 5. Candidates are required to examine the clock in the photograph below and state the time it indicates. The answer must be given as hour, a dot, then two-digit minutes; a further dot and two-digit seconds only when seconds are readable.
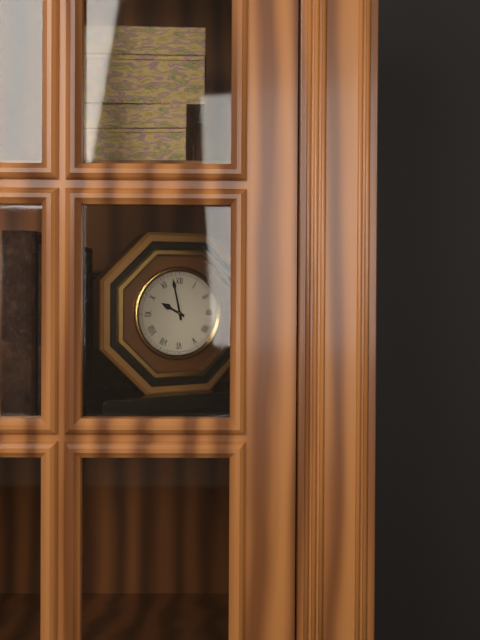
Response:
9.58
